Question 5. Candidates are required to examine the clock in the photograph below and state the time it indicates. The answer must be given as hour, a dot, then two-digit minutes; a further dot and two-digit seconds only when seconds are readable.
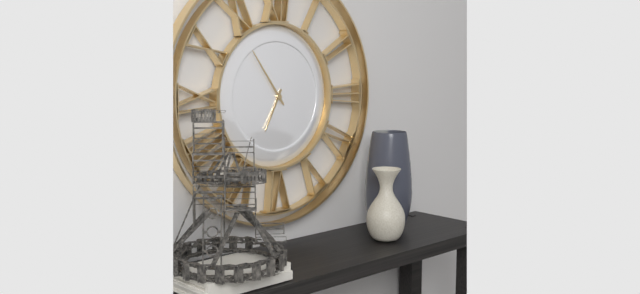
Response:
6.54
